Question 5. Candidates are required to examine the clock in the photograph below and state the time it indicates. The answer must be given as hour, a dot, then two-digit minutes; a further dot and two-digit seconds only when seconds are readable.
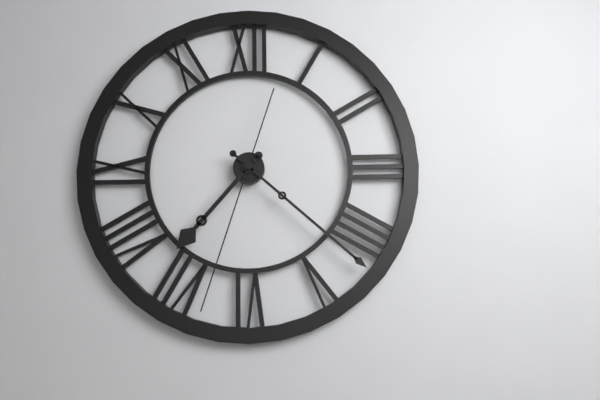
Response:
7.22.33
